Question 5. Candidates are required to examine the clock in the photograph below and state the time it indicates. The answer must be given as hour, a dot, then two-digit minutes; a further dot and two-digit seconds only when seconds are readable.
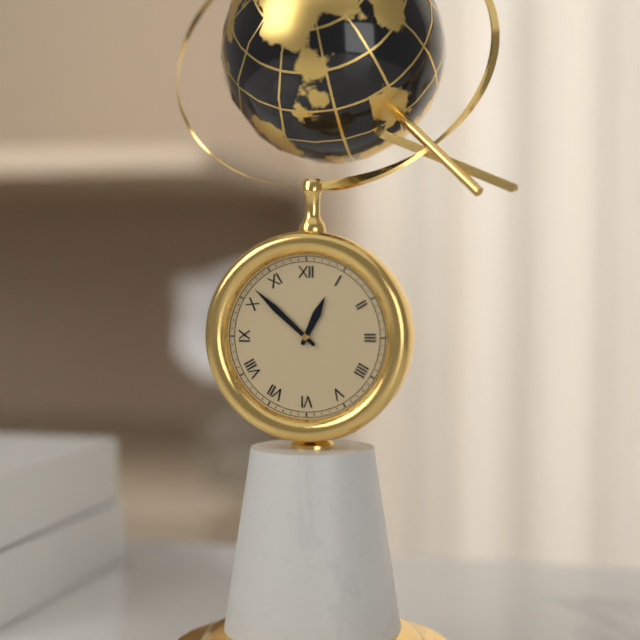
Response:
12.52
